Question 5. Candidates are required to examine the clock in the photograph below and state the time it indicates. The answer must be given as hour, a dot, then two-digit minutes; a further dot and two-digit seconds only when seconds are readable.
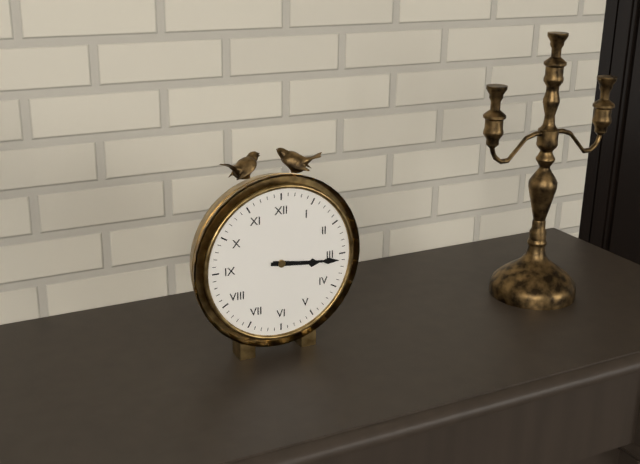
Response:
3.16
